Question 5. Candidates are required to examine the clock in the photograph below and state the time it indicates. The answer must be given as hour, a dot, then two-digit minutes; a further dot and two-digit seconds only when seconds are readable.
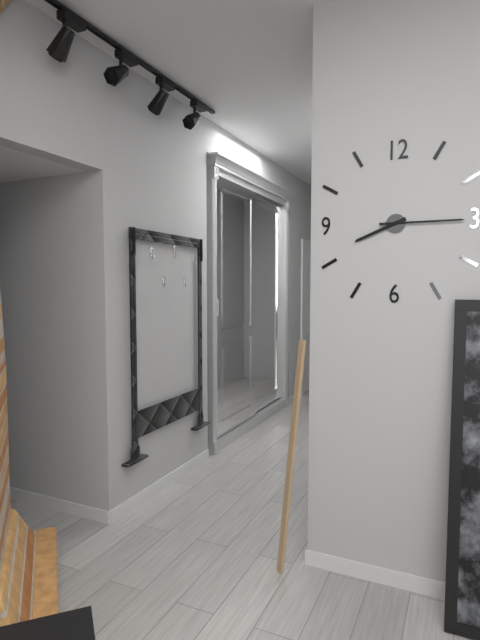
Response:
8.15
